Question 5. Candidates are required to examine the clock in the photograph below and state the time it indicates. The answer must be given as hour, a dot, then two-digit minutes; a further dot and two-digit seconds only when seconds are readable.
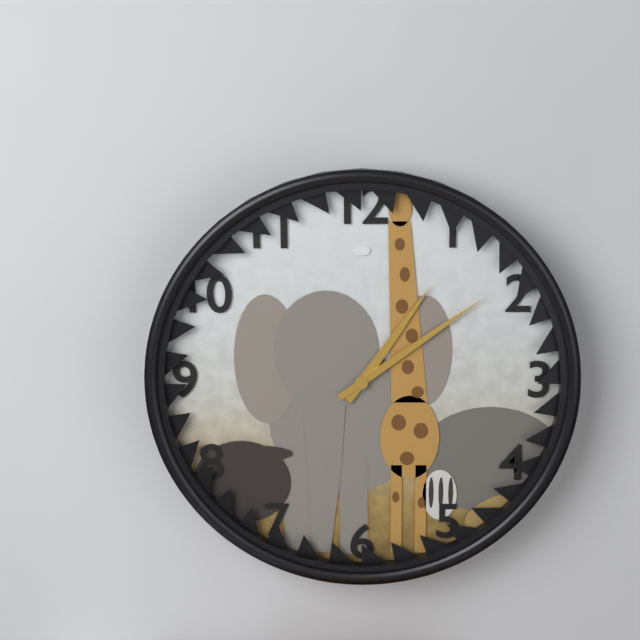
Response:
1.09
